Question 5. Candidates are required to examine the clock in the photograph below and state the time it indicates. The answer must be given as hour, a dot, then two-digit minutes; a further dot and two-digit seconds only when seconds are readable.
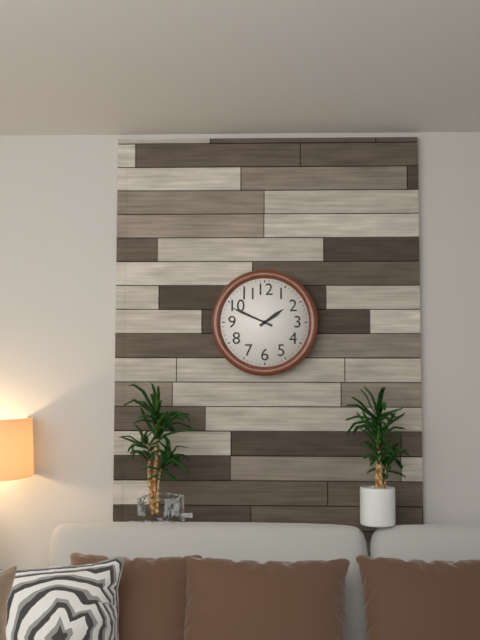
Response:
1.49
